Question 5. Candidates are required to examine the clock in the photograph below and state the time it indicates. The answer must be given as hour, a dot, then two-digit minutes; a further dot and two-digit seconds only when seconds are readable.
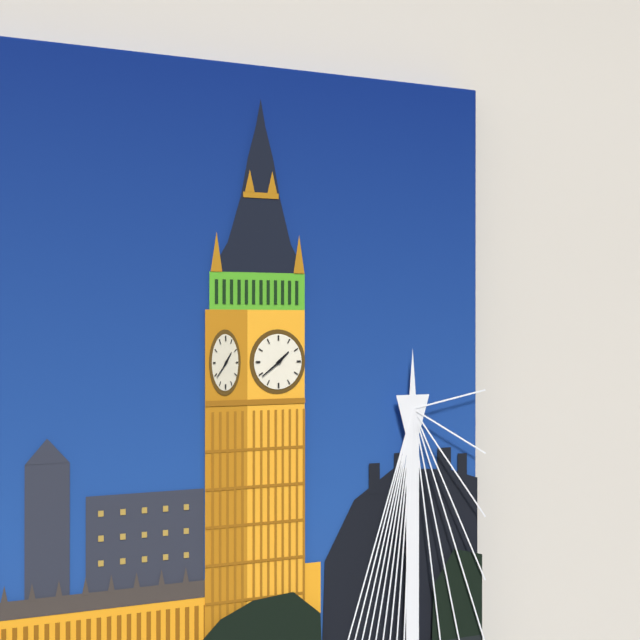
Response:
1.39
